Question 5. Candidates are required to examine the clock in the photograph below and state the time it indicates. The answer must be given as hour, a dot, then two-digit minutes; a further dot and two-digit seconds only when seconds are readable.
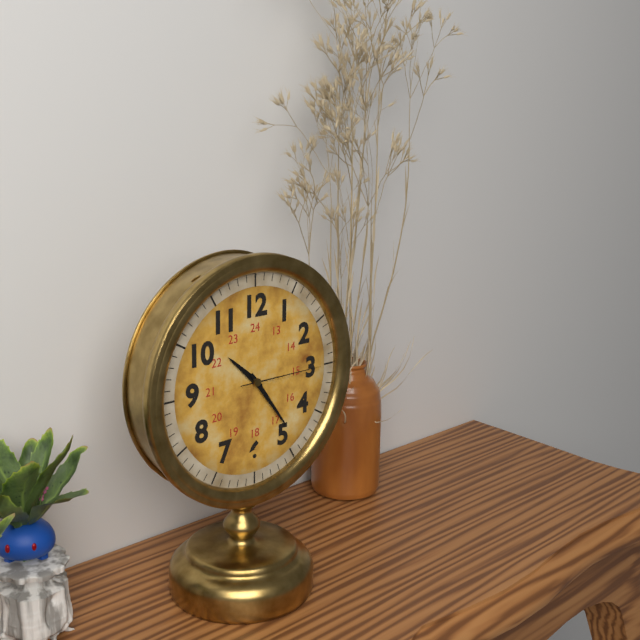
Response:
10.24.15
